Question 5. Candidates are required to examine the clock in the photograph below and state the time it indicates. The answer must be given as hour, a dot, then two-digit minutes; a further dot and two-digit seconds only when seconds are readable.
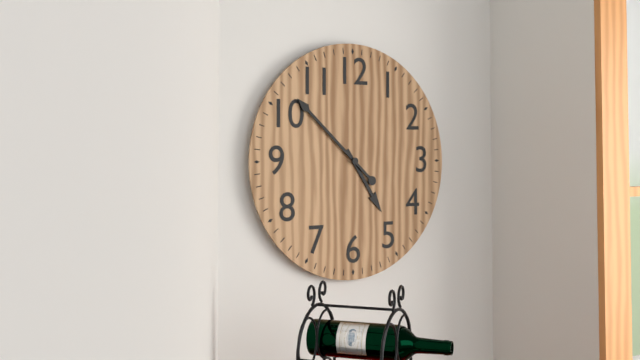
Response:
4.52
